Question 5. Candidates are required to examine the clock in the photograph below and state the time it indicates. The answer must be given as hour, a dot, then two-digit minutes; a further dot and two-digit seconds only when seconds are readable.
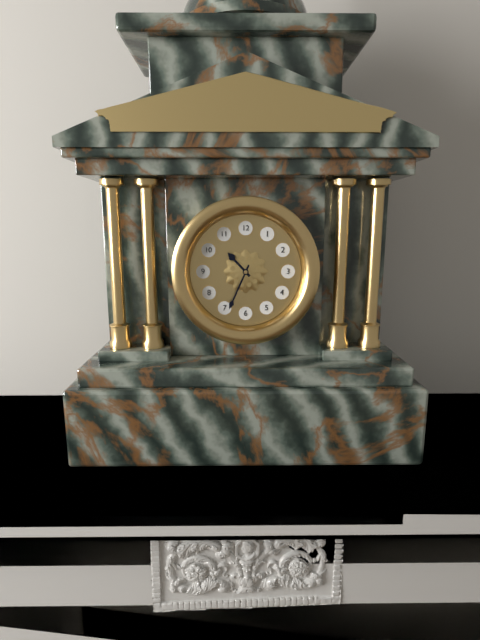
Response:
10.34
